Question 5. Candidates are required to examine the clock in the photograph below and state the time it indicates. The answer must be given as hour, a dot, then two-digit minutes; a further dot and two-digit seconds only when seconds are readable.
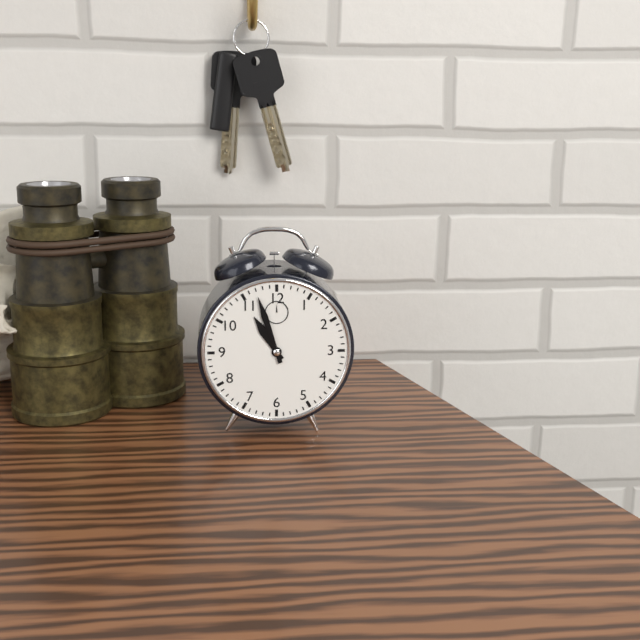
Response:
10.57
